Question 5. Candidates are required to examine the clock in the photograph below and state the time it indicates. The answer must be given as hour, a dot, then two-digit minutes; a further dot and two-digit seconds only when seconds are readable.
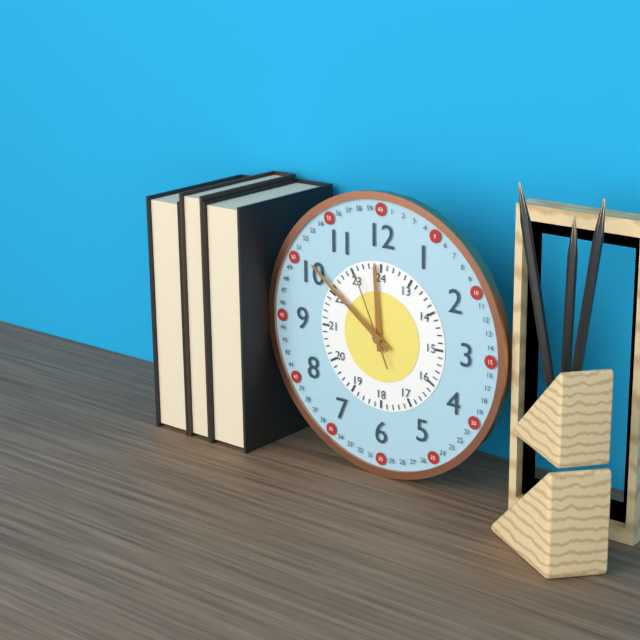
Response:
11.51.56
